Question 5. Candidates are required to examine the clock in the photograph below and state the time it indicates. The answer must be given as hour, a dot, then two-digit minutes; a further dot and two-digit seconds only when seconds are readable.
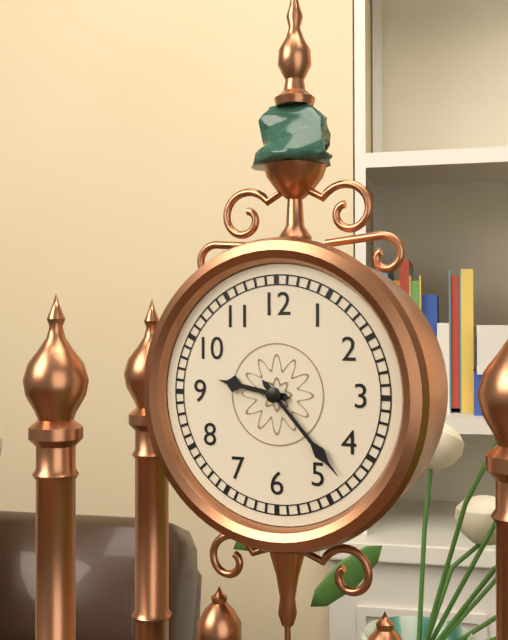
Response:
9.23
